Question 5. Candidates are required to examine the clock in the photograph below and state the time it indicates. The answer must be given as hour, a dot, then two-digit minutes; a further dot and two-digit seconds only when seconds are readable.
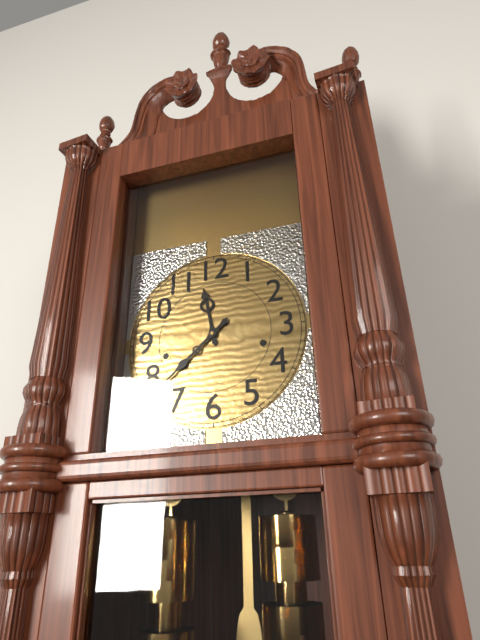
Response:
11.38
